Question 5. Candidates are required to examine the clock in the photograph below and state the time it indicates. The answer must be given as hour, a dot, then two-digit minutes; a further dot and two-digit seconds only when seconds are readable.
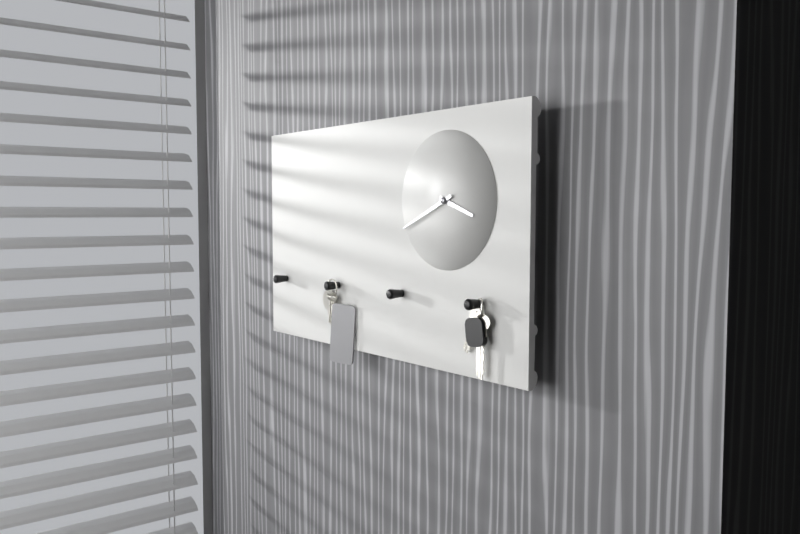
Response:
3.41
